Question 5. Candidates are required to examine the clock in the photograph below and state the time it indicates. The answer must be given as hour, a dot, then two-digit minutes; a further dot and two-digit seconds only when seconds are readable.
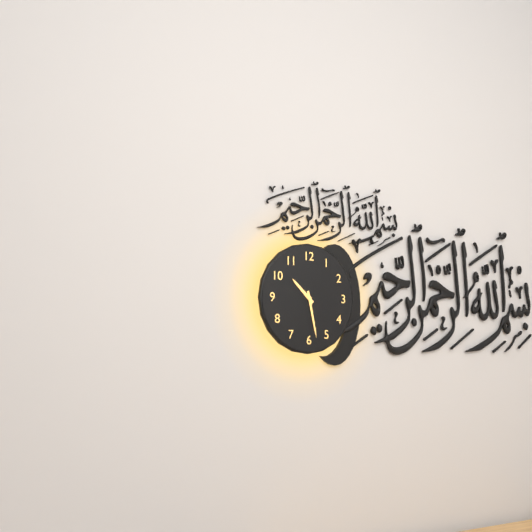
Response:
10.28
